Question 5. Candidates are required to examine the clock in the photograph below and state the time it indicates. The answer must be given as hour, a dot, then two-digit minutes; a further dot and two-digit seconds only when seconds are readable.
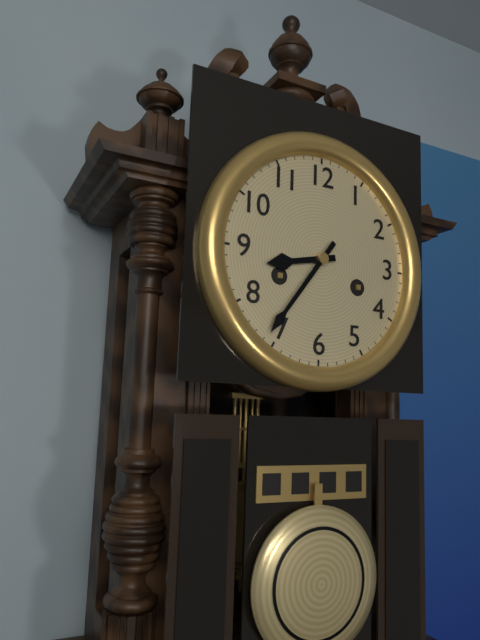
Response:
8.36
